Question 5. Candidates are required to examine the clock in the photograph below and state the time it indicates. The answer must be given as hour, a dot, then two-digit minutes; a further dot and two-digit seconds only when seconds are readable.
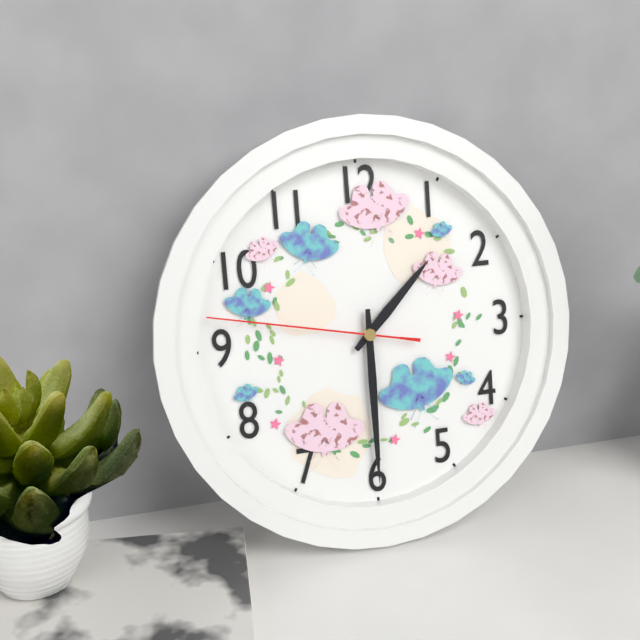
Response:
1.30.47
